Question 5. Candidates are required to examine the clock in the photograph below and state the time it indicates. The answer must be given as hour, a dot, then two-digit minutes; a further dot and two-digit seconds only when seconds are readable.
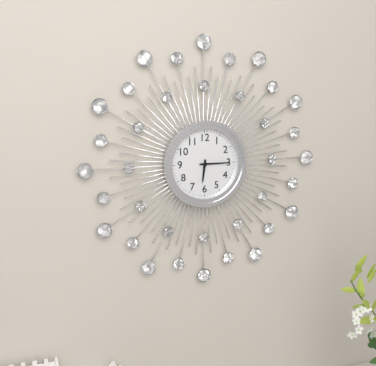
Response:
6.15
